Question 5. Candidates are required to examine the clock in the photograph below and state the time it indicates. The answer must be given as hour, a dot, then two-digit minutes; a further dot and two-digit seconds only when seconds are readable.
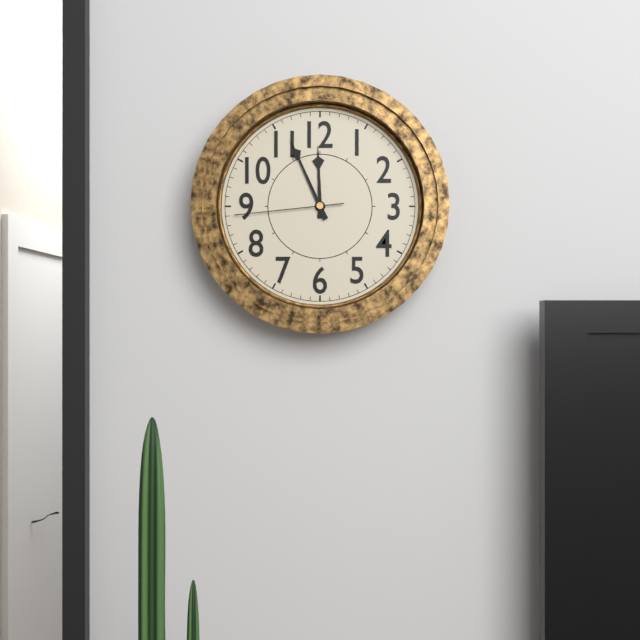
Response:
11.56.44
